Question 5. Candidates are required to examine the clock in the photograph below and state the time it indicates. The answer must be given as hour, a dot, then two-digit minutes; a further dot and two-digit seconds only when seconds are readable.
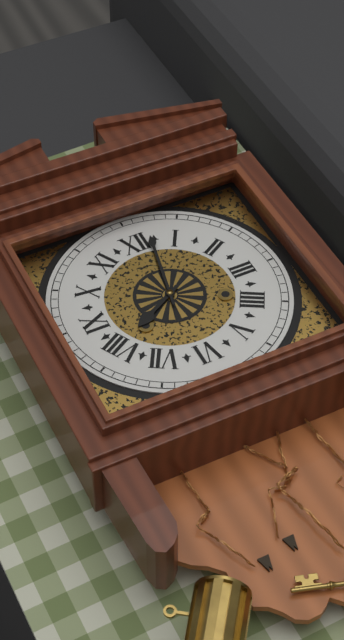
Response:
8.02
